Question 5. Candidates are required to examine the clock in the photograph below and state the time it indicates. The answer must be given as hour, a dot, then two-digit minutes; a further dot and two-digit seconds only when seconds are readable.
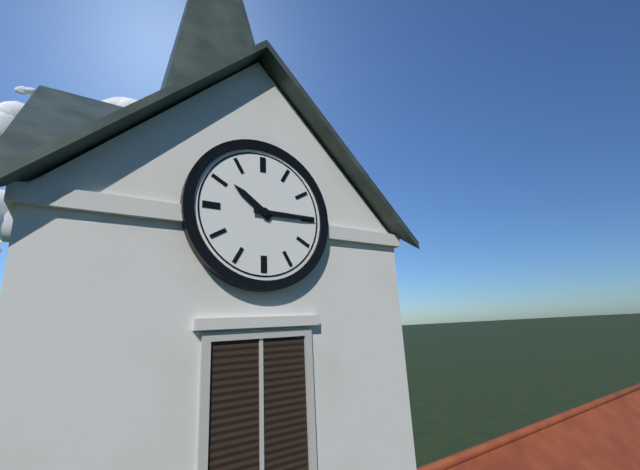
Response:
10.15
